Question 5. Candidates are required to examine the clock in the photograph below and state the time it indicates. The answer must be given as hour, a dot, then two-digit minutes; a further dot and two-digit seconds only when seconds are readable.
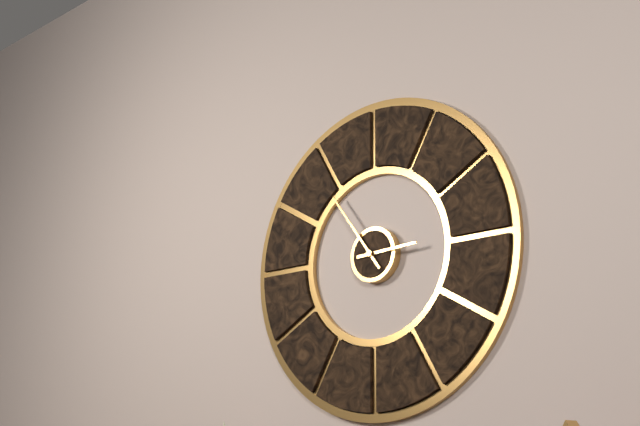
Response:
2.54
